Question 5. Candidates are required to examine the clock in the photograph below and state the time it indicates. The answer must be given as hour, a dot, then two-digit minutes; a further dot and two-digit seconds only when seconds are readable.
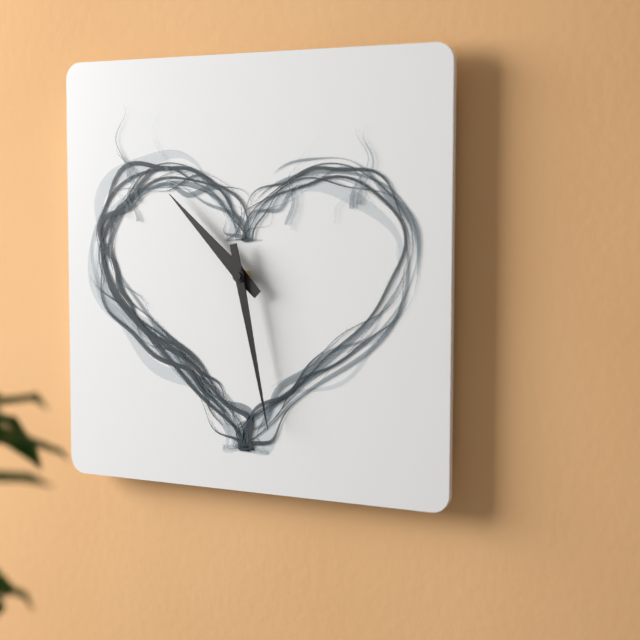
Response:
10.28
